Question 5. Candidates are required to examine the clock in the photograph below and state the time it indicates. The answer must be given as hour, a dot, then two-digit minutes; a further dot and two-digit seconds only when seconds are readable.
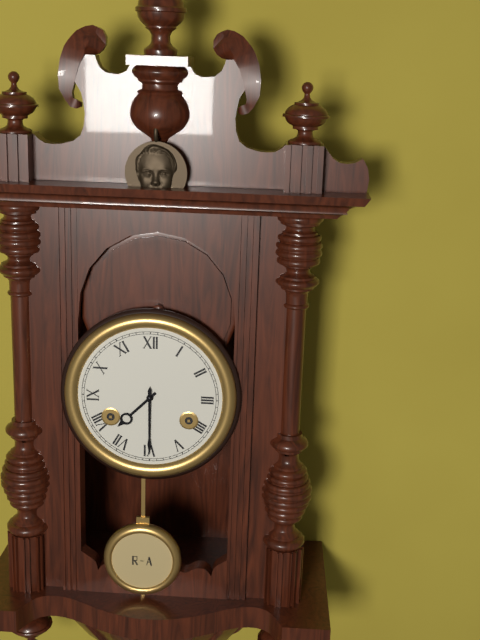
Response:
7.30
